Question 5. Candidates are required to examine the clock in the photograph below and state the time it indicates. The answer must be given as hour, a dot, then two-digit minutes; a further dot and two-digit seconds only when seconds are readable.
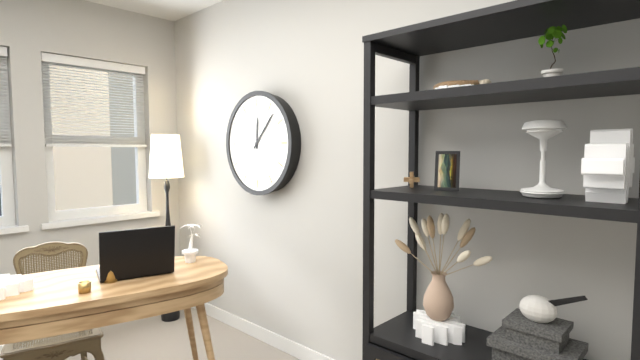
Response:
12.07
